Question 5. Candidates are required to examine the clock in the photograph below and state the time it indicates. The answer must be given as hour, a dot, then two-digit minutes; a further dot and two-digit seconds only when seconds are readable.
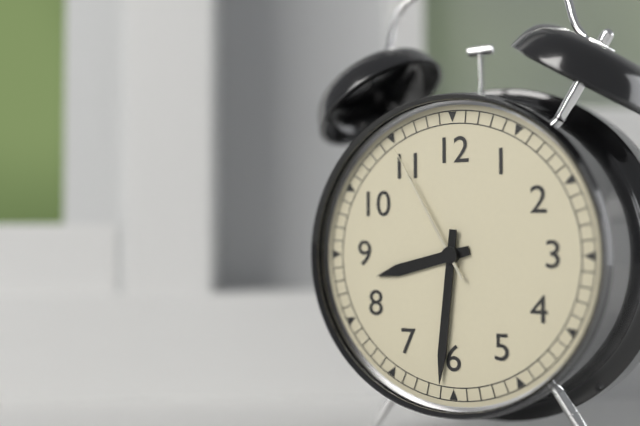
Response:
8.31.55
